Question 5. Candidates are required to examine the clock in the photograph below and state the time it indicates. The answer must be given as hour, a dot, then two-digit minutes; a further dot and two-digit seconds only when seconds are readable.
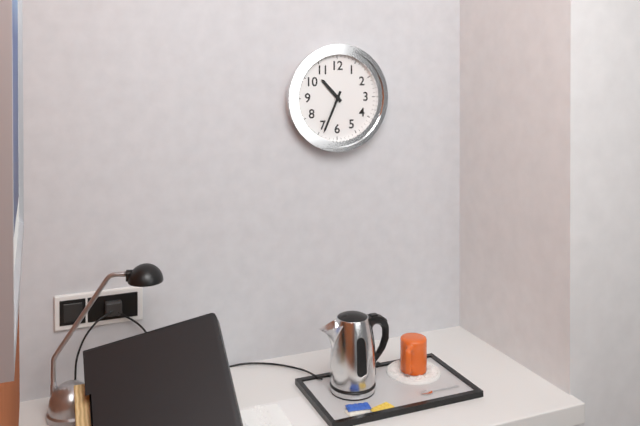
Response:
10.34
